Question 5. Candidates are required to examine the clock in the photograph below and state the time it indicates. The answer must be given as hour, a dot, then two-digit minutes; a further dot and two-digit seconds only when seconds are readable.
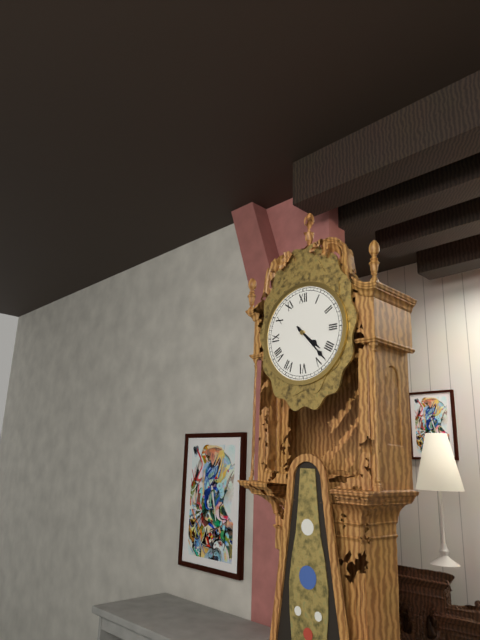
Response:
4.23
